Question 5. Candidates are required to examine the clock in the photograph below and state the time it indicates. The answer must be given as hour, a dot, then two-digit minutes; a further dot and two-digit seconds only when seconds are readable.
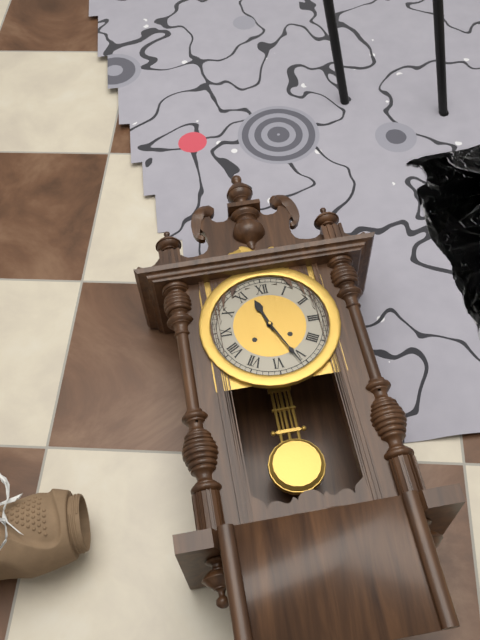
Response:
11.26
